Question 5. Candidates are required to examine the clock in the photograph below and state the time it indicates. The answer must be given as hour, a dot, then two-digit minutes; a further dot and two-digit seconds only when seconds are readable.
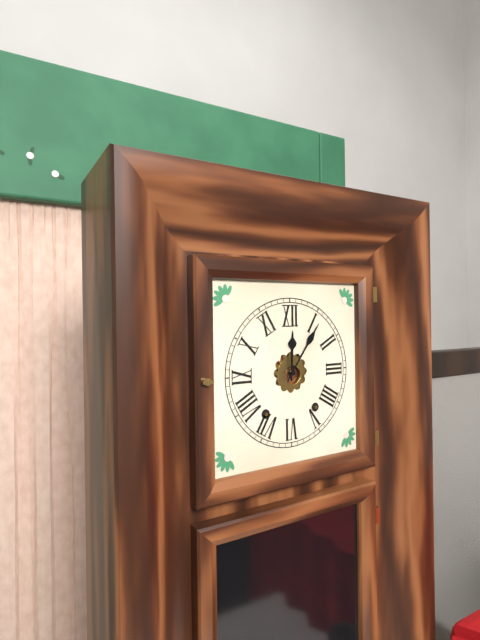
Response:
12.06
